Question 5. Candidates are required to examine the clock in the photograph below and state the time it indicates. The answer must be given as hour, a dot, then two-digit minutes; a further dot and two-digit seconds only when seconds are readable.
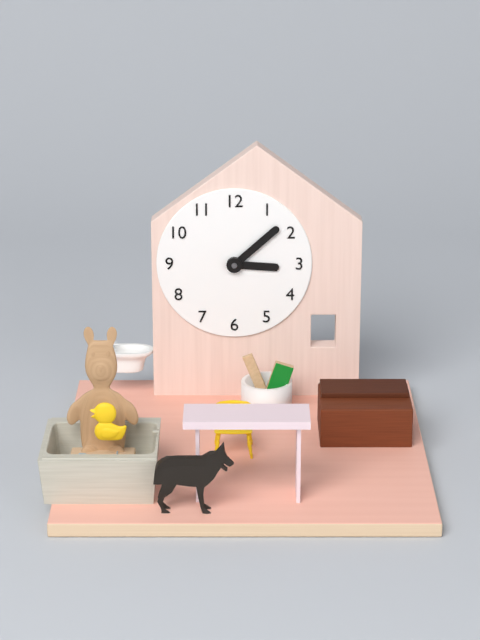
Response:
3.08
